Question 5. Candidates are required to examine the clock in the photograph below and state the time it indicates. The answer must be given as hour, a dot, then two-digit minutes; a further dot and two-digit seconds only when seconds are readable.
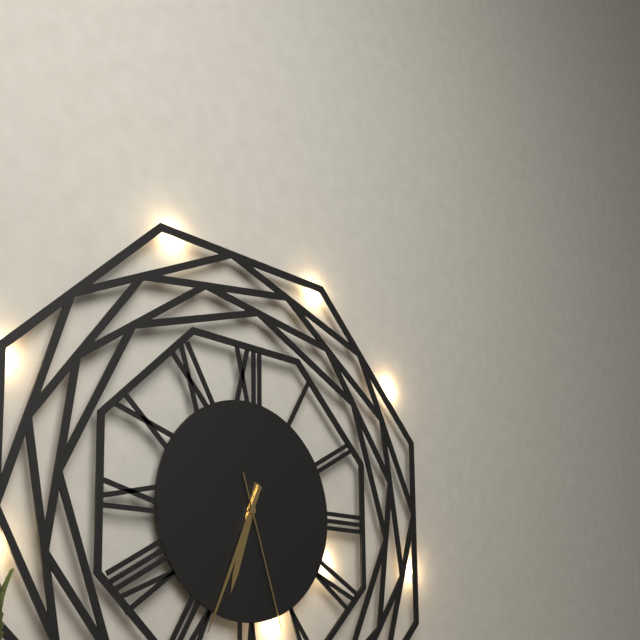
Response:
6.34.27
